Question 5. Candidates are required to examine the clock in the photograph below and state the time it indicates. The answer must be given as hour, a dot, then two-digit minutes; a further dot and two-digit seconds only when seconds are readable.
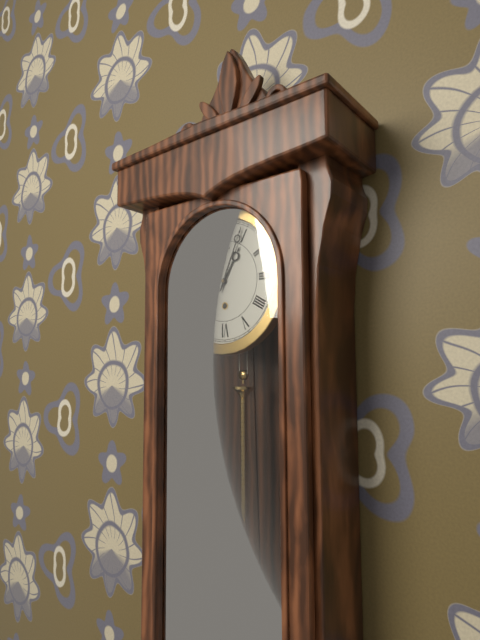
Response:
1.04
